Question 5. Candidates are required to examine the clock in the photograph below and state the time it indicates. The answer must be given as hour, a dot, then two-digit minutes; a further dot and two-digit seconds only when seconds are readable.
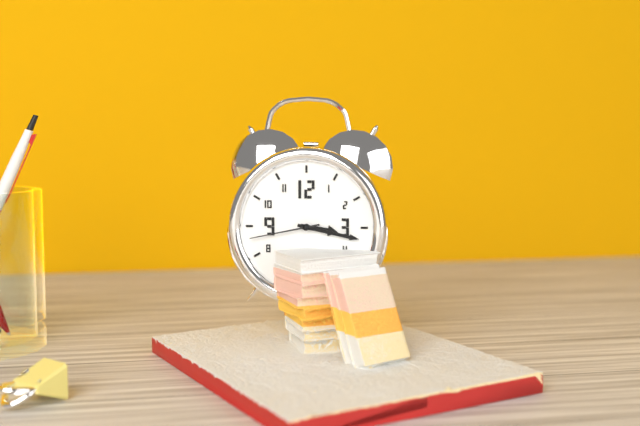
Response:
3.17.43
